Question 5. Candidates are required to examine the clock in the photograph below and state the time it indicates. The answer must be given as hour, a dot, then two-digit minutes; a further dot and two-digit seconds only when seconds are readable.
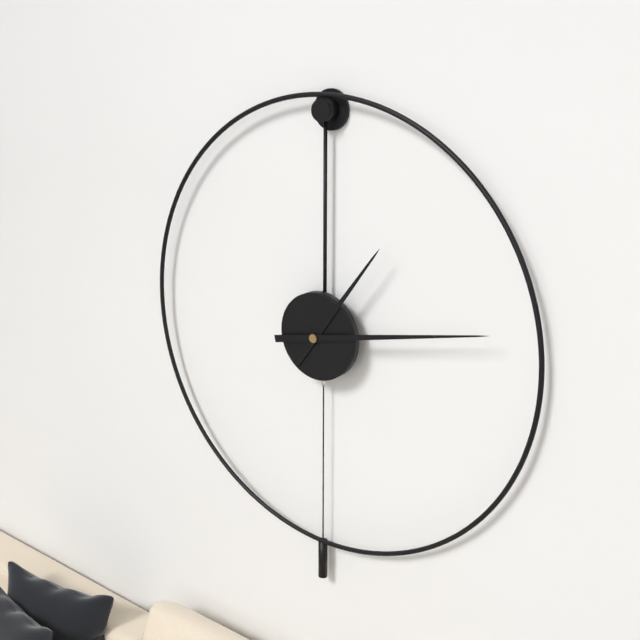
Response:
1.13
